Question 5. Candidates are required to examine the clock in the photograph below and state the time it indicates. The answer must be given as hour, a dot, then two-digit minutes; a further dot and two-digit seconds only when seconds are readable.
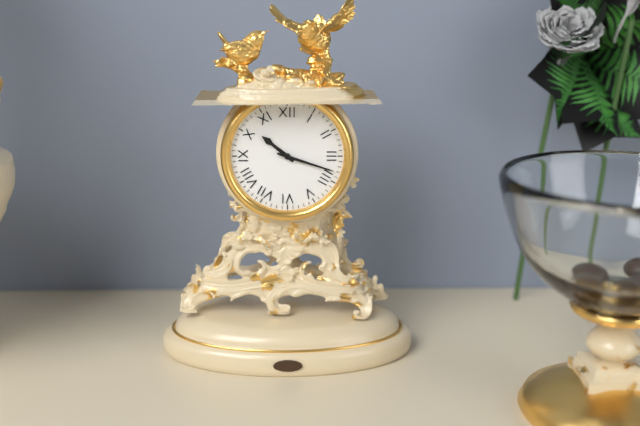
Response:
10.18
